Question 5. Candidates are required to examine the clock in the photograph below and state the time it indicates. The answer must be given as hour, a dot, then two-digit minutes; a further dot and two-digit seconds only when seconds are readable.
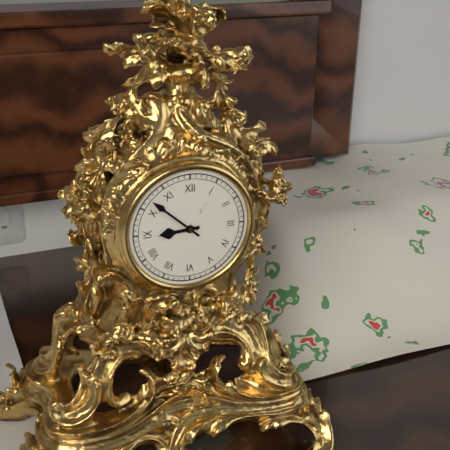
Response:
8.52
